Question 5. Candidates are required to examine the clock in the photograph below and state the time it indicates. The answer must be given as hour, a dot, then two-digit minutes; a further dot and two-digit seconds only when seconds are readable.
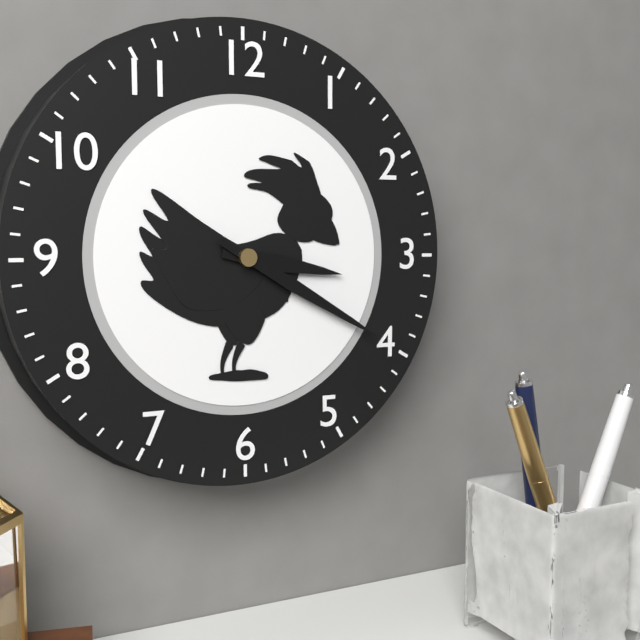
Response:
3.20
